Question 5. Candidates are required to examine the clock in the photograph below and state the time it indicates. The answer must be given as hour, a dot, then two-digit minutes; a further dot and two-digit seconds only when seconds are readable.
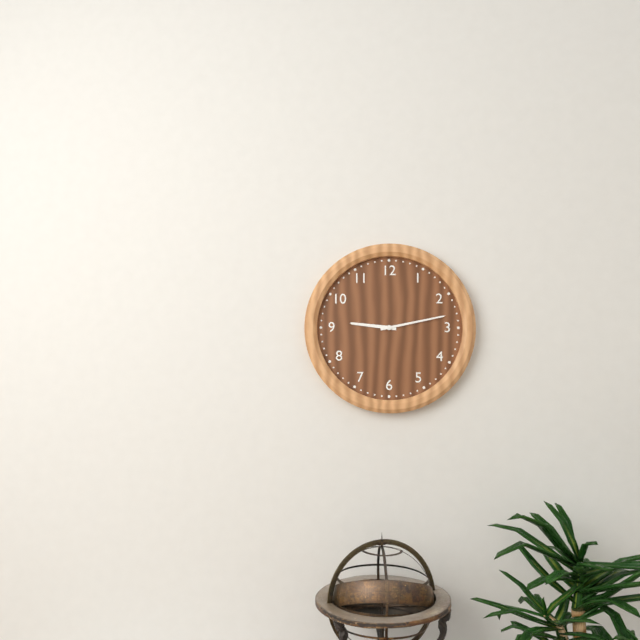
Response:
9.13
